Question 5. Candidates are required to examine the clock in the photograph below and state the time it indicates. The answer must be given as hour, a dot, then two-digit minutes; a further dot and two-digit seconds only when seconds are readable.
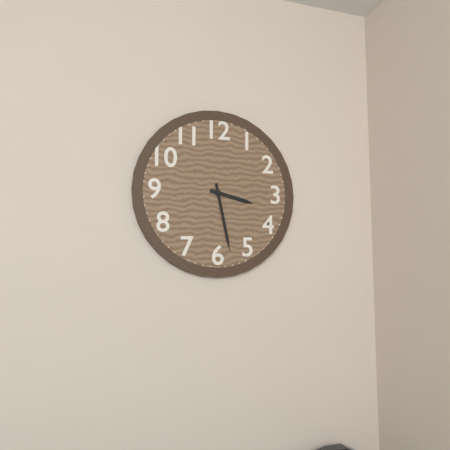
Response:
3.28
